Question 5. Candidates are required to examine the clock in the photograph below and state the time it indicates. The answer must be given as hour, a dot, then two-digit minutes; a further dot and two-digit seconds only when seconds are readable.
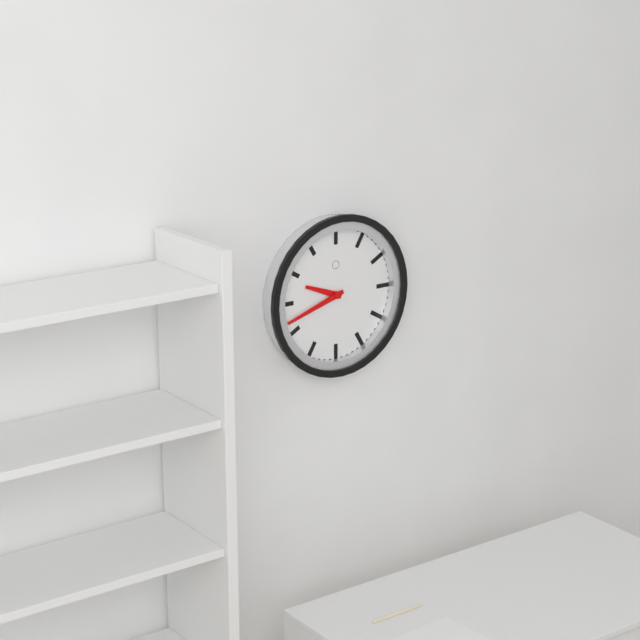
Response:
9.42
